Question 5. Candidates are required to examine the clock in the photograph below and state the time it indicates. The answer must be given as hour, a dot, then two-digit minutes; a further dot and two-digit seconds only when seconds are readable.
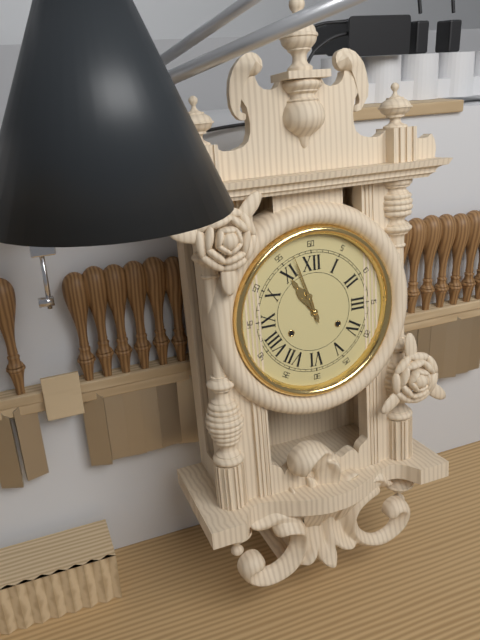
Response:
10.57
